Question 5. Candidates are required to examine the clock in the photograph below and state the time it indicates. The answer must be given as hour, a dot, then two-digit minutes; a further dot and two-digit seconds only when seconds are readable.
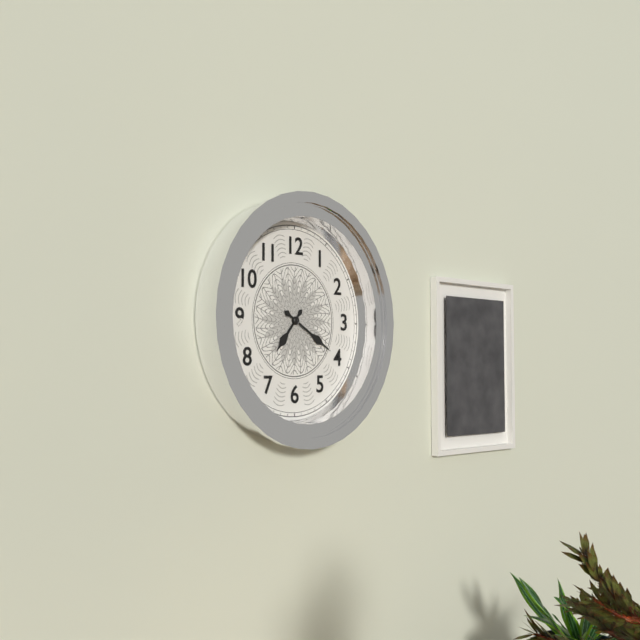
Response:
7.20
